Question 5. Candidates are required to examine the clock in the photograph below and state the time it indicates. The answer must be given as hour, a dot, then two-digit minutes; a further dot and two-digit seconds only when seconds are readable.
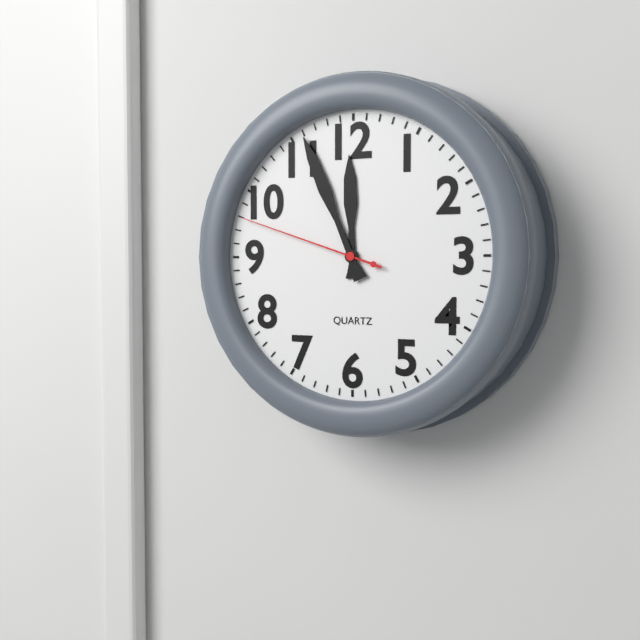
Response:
11.56.48
